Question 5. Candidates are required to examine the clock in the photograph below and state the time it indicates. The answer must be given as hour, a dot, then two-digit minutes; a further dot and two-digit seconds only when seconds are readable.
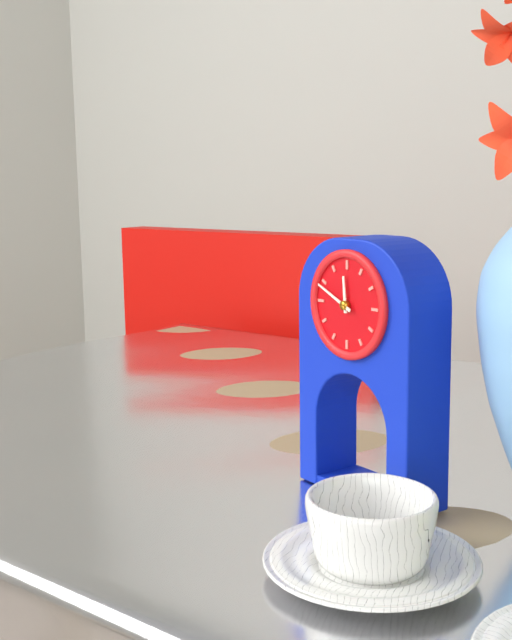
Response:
11.49
